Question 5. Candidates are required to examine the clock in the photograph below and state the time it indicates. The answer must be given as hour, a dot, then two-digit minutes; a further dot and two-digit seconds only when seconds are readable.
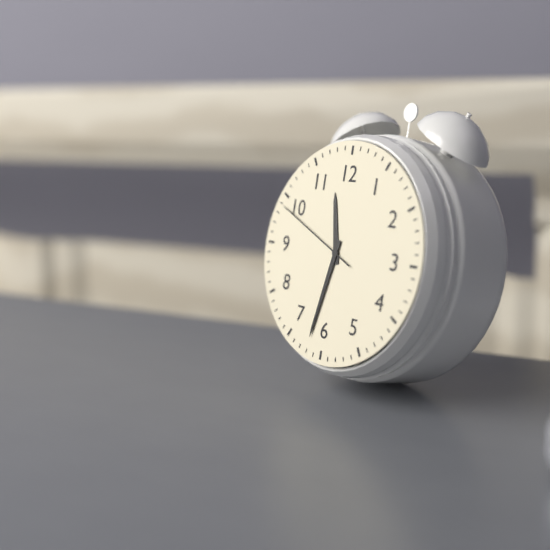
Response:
11.32.49
